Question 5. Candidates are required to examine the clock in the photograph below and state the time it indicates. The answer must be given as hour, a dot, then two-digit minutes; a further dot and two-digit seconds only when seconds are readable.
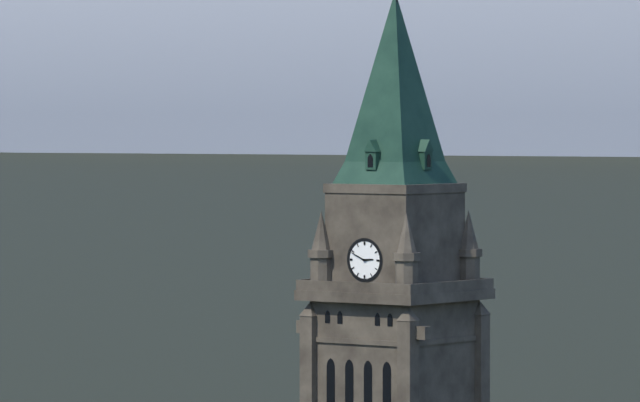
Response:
2.49
